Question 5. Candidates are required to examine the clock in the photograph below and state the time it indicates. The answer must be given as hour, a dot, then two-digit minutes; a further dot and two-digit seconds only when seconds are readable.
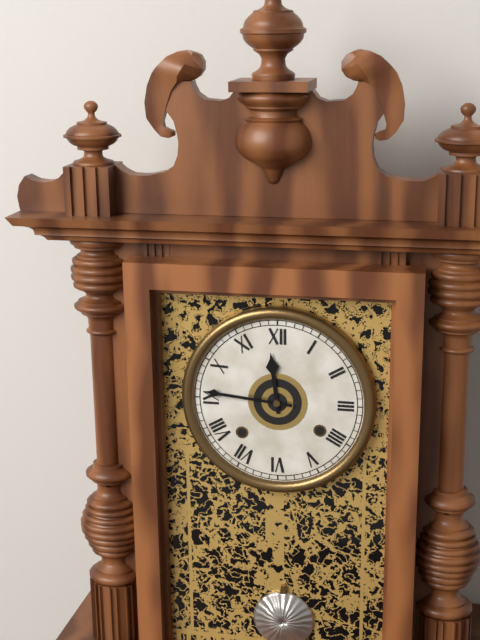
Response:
11.46
